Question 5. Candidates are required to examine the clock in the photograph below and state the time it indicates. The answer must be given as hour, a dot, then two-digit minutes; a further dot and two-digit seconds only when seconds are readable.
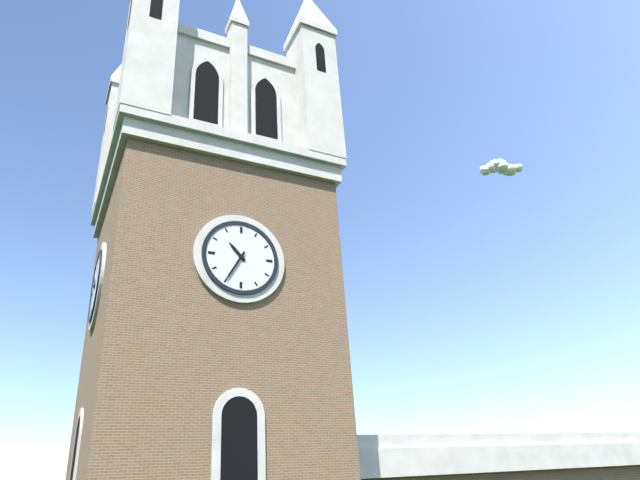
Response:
10.35
